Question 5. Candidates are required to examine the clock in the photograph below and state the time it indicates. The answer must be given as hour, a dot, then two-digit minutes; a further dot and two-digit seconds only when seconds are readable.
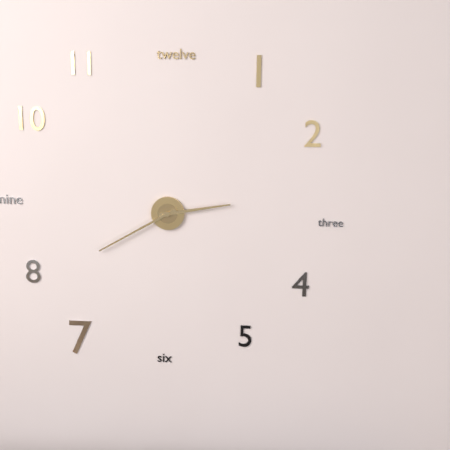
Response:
2.40
